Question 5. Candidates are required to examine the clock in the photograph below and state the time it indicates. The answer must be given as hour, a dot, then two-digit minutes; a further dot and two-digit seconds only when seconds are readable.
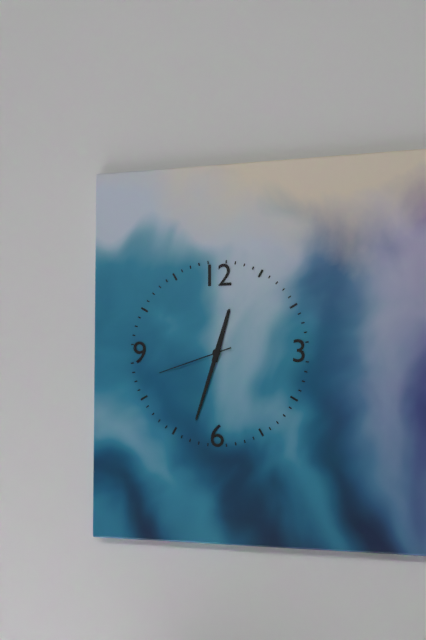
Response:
12.33.42
